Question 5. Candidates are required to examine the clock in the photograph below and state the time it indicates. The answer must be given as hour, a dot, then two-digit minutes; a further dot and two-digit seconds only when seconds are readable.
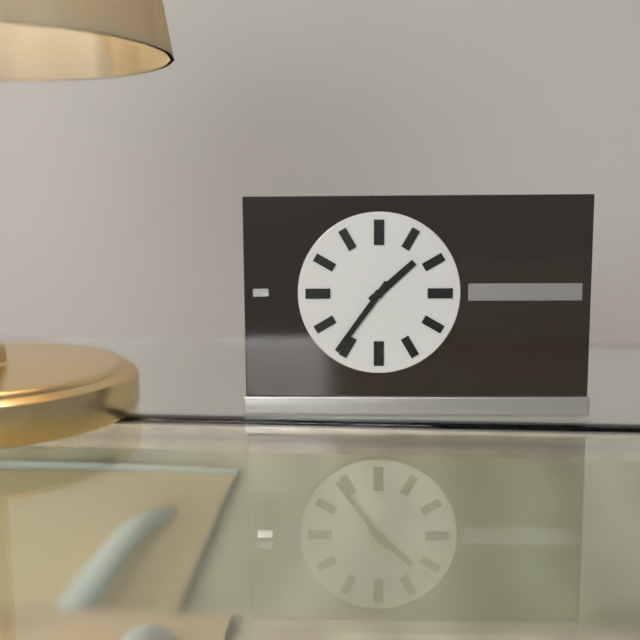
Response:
1.36
